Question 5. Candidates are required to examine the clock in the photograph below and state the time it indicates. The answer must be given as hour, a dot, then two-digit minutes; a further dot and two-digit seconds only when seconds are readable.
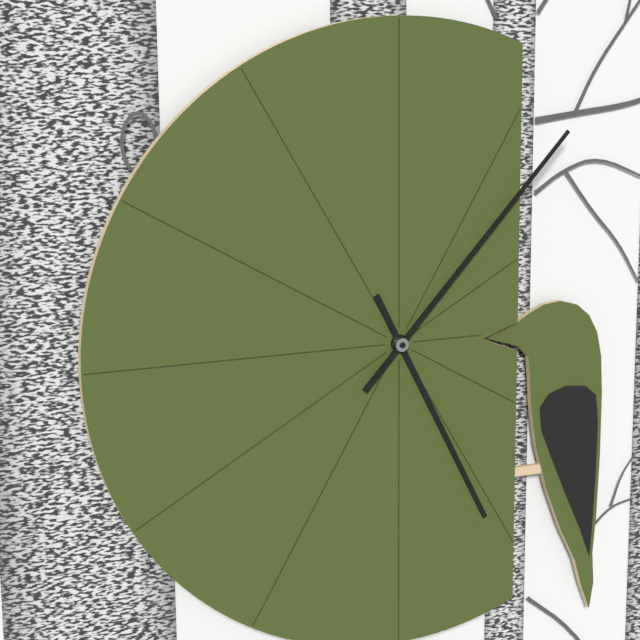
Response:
5.07
